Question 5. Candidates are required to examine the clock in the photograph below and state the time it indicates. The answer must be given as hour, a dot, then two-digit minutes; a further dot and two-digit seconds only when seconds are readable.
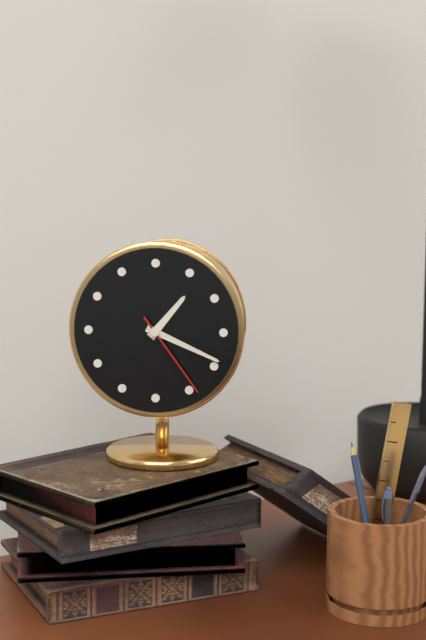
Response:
1.19.24
